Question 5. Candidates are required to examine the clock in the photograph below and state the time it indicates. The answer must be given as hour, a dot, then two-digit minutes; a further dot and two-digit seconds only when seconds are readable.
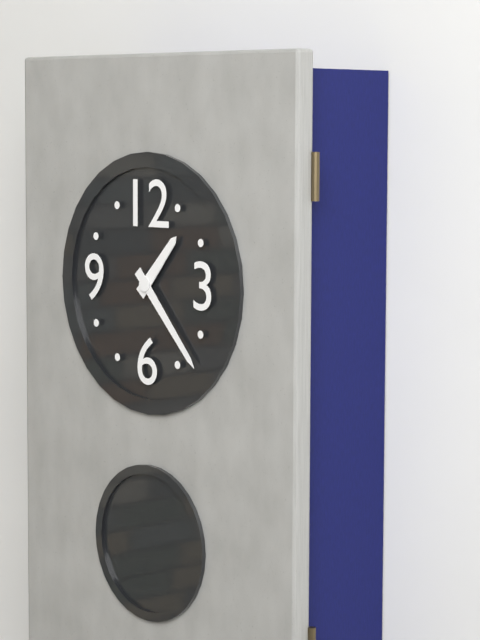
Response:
1.23
